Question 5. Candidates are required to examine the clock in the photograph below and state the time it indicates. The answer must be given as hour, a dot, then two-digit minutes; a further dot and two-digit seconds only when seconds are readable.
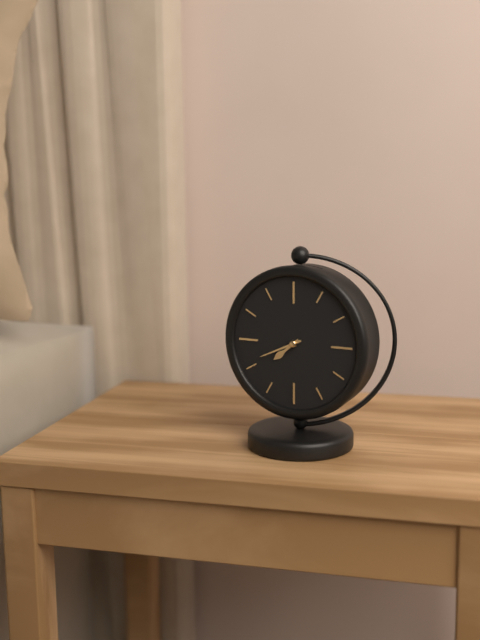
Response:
7.41
